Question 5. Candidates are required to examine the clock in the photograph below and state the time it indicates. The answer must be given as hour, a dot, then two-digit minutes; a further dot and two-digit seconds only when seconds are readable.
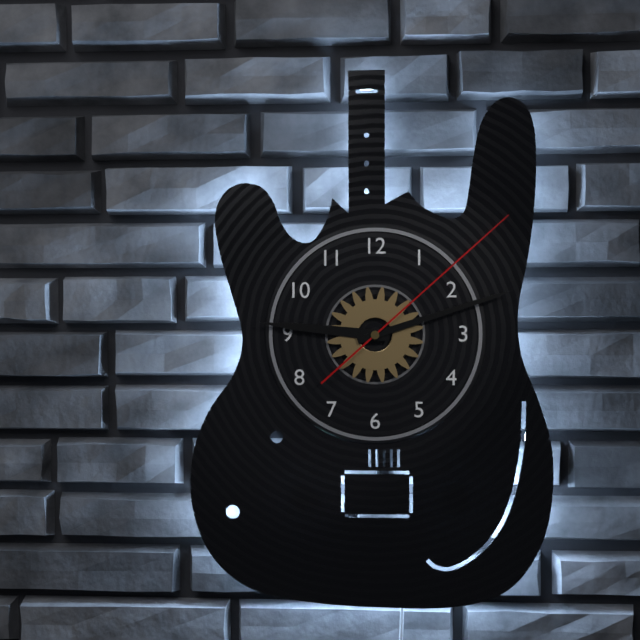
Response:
9.12.08
